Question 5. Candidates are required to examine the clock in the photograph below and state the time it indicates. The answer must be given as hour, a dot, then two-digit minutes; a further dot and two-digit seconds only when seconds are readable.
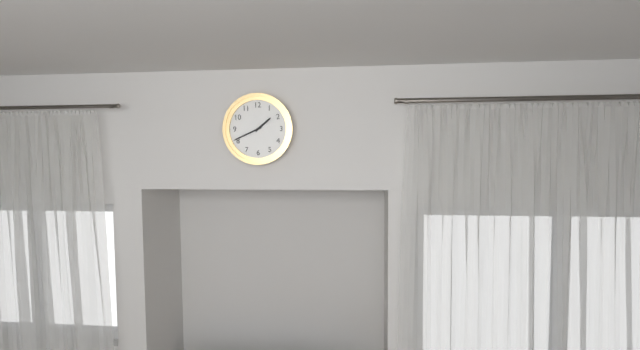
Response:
1.41
